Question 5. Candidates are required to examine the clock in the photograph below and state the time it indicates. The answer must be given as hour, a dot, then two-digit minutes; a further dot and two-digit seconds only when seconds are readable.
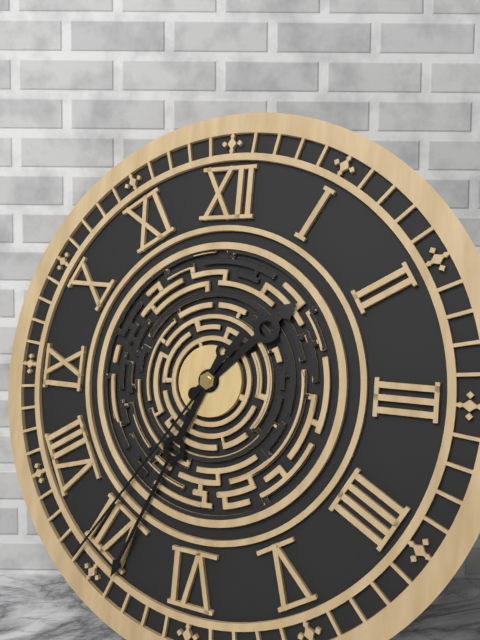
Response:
1.34.36
